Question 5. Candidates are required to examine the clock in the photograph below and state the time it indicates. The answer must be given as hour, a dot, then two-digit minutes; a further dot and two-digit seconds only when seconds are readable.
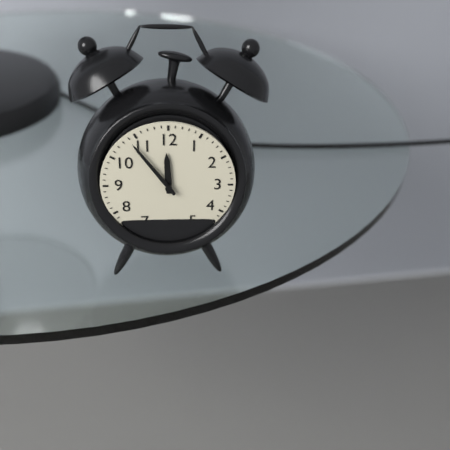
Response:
11.54
